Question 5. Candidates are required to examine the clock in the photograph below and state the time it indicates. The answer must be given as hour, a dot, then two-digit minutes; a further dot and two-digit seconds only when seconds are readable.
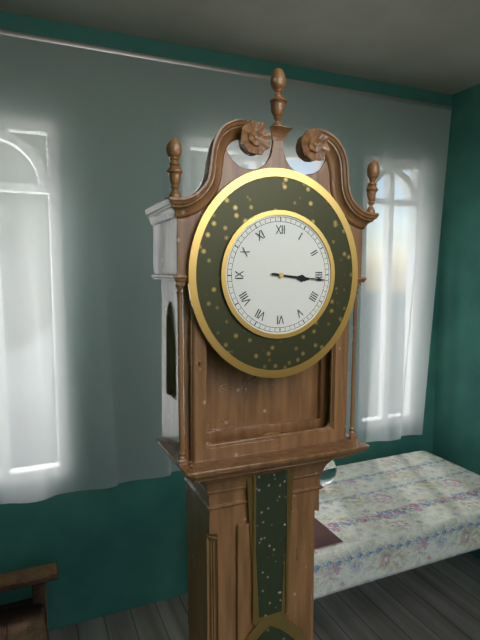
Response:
3.16
